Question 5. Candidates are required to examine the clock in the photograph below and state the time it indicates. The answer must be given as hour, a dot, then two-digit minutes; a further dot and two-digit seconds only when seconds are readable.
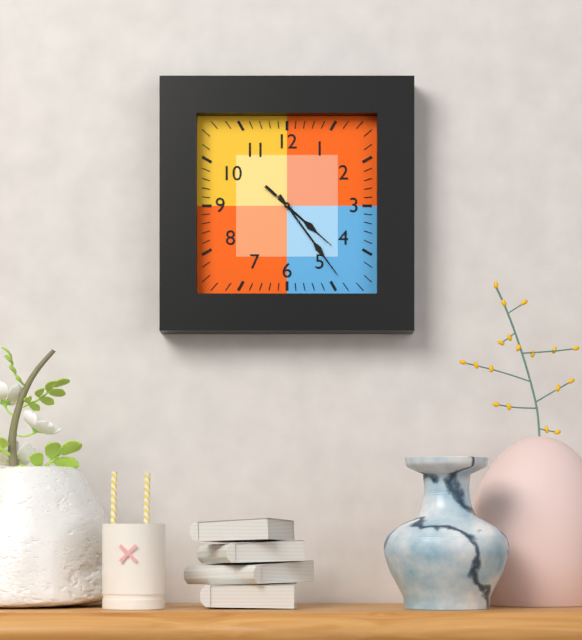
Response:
4.24.22
